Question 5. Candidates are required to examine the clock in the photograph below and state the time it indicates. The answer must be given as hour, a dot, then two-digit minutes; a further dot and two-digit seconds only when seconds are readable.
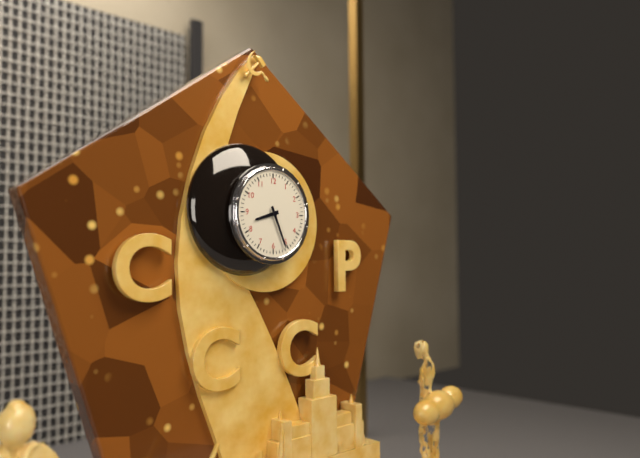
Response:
8.26
